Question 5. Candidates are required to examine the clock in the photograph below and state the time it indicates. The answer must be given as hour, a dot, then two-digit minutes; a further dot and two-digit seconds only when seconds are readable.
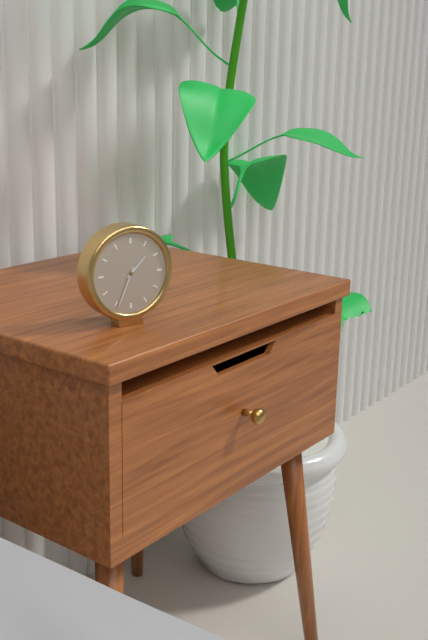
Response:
1.34
